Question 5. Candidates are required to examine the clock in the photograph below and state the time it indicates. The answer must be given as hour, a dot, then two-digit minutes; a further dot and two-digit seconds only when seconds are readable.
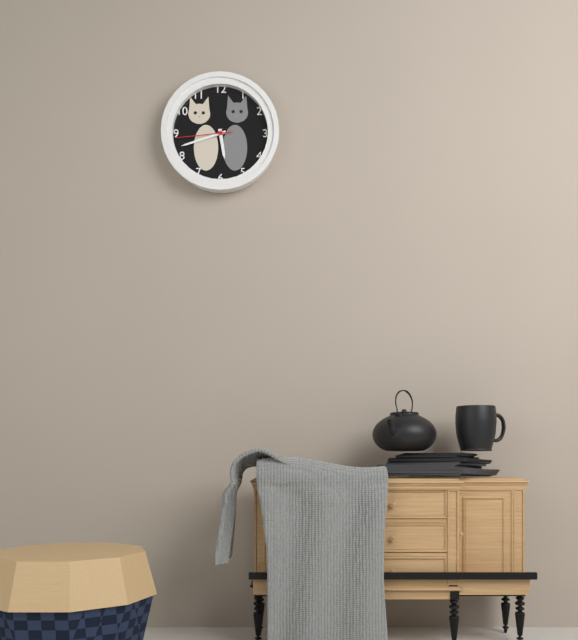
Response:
5.42.44
